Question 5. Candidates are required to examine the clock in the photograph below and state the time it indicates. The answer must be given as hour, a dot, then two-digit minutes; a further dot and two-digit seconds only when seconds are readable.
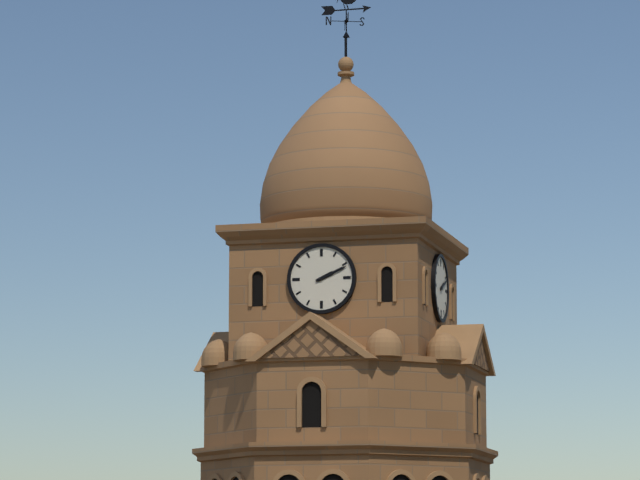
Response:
2.11
